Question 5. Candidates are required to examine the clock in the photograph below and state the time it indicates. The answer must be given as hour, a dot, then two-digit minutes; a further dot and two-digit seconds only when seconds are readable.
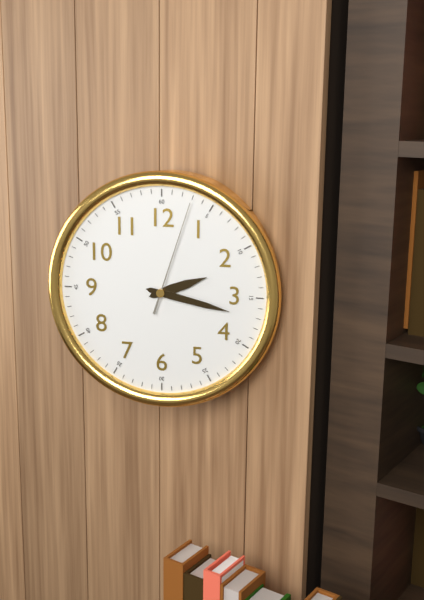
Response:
2.17.03
